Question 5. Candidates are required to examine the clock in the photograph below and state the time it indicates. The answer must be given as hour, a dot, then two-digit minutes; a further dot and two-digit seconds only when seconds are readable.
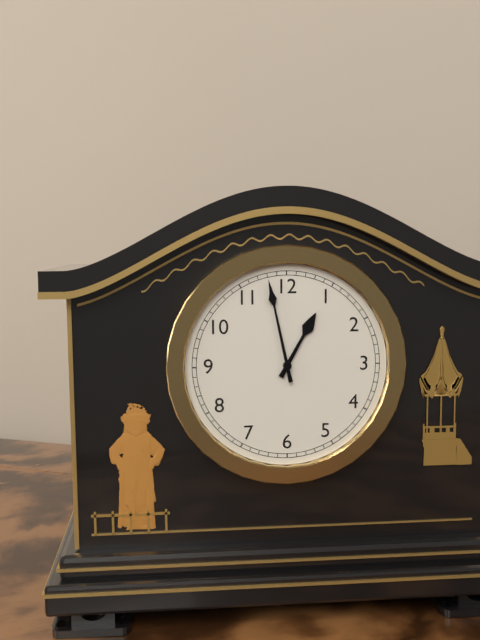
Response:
12.58
